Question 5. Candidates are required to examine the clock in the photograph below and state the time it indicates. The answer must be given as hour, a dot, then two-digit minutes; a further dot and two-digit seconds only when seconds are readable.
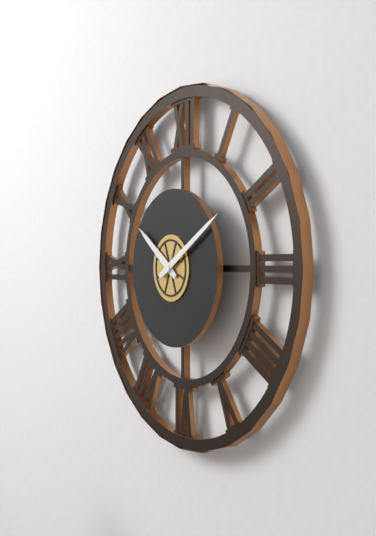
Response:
10.10
